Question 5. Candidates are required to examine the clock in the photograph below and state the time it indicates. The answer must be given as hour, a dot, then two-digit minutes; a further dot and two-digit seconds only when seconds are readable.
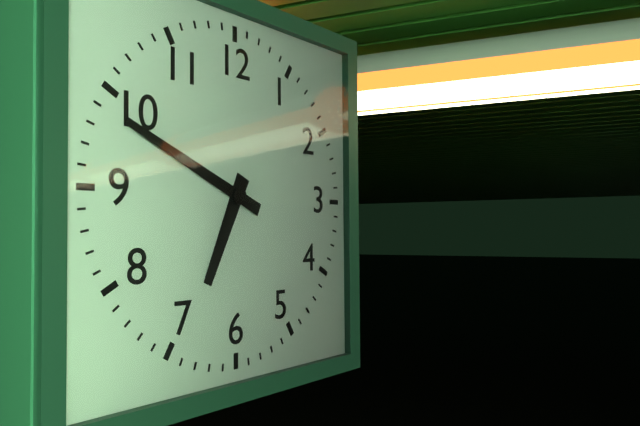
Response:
6.49
